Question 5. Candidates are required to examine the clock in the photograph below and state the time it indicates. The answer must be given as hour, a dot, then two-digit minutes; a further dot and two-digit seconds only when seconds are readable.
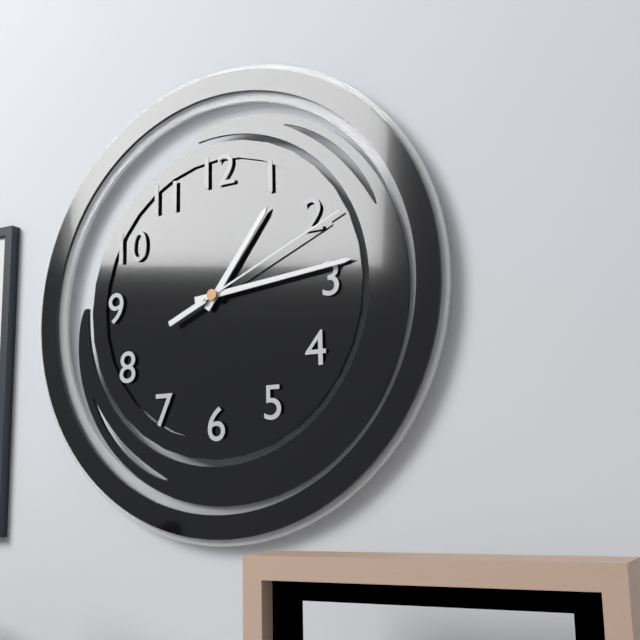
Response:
1.14.11
